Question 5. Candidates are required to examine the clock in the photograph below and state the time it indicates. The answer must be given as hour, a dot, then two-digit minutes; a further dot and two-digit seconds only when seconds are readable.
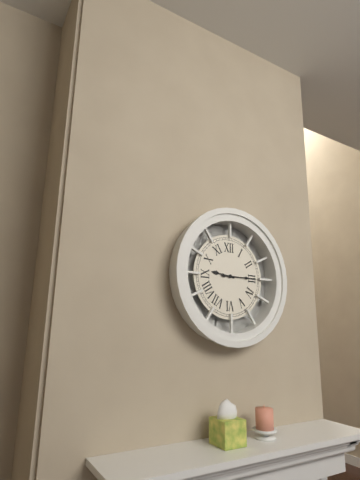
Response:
9.15
